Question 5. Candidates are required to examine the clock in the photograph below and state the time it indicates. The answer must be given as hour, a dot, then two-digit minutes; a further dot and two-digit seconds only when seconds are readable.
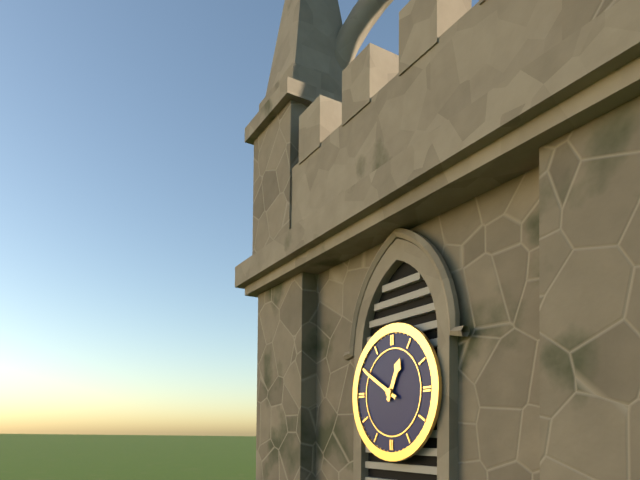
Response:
12.50
